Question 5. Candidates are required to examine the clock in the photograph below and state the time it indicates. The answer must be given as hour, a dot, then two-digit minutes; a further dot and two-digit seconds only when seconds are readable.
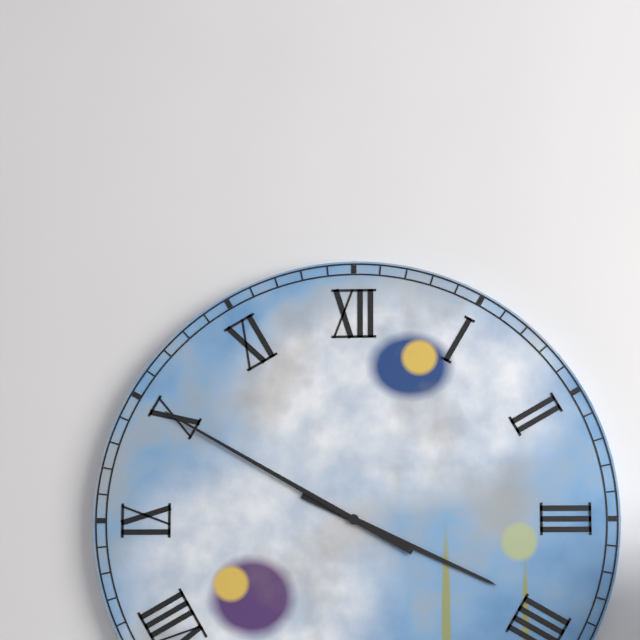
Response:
3.50
